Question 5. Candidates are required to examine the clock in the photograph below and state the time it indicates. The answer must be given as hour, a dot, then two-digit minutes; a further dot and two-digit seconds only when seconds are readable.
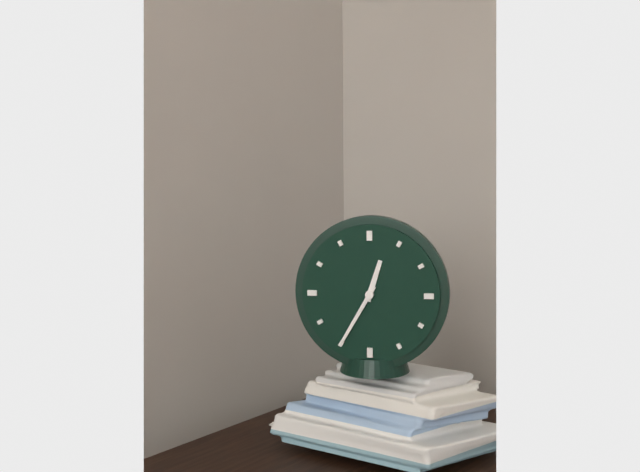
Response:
12.35
